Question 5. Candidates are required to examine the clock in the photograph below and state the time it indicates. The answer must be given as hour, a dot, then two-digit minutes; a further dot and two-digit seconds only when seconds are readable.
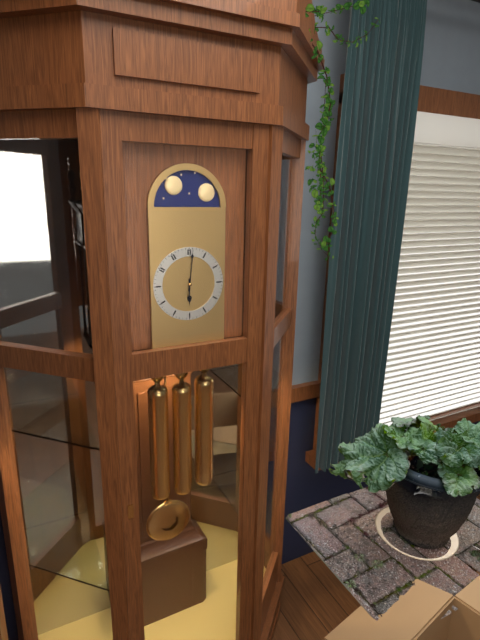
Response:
6.01
